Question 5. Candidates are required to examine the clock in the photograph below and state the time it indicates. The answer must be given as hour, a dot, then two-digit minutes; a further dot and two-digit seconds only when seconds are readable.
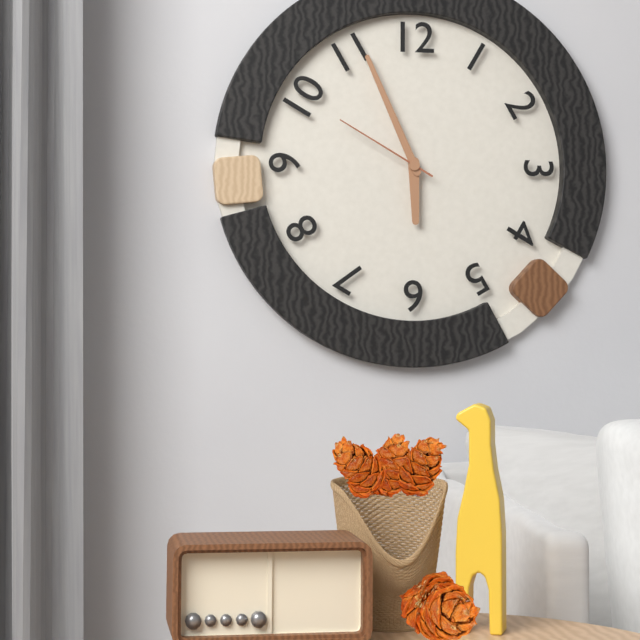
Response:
5.56.50
